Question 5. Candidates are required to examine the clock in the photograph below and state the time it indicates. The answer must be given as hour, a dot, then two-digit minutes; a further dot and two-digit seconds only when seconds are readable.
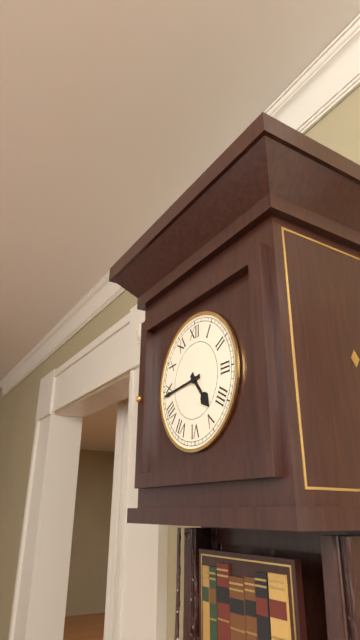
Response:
4.44
